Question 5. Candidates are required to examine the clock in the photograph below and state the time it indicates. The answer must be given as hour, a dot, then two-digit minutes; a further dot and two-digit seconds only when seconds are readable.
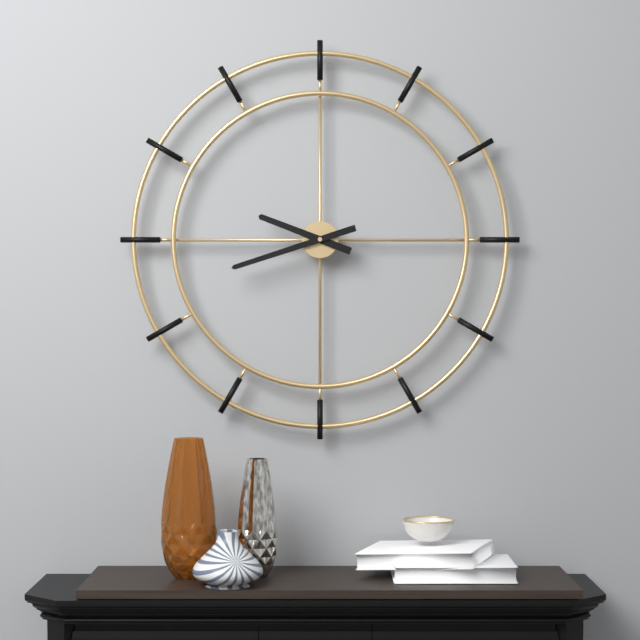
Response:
9.42
